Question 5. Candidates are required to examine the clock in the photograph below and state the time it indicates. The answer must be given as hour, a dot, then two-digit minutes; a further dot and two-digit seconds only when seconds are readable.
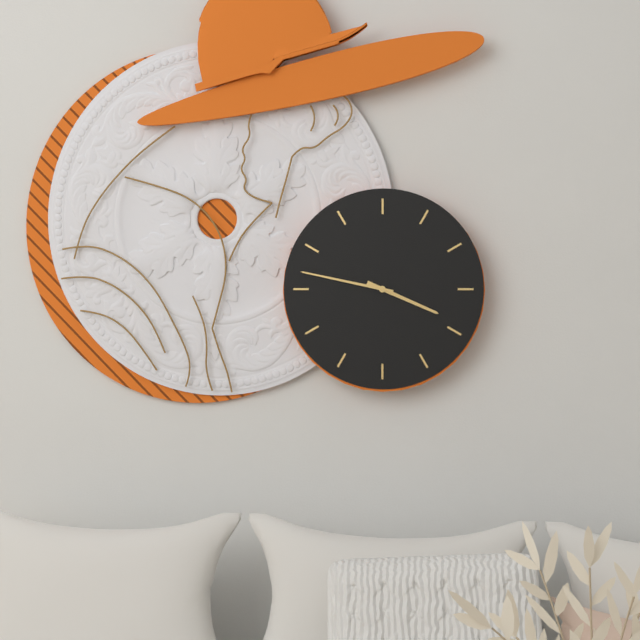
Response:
3.47
